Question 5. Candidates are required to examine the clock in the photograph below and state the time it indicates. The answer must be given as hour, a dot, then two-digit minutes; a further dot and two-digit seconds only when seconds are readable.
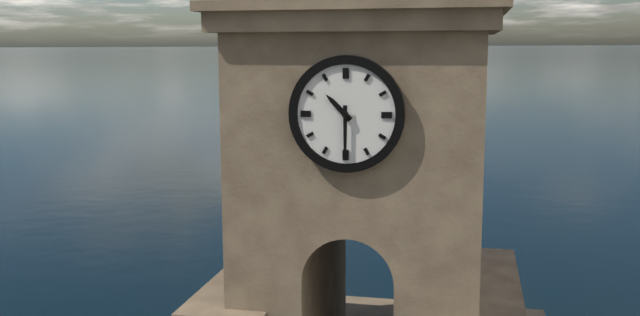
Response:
10.30
